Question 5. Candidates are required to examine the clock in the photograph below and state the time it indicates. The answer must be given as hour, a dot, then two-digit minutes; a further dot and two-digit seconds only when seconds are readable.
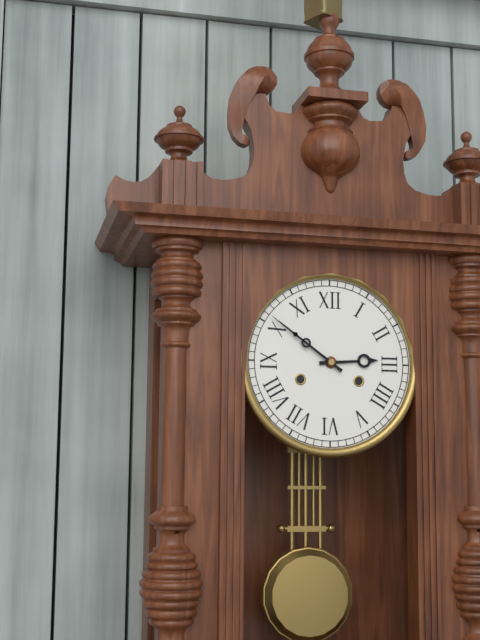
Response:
2.51
